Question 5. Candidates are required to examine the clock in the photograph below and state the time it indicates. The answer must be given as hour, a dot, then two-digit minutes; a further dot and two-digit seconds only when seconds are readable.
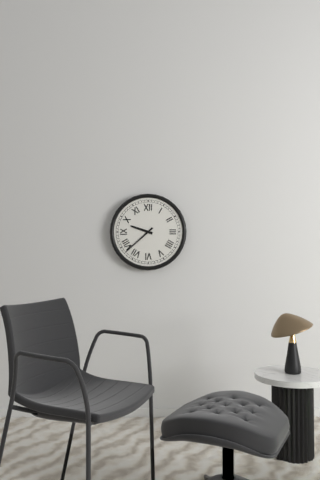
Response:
9.38
